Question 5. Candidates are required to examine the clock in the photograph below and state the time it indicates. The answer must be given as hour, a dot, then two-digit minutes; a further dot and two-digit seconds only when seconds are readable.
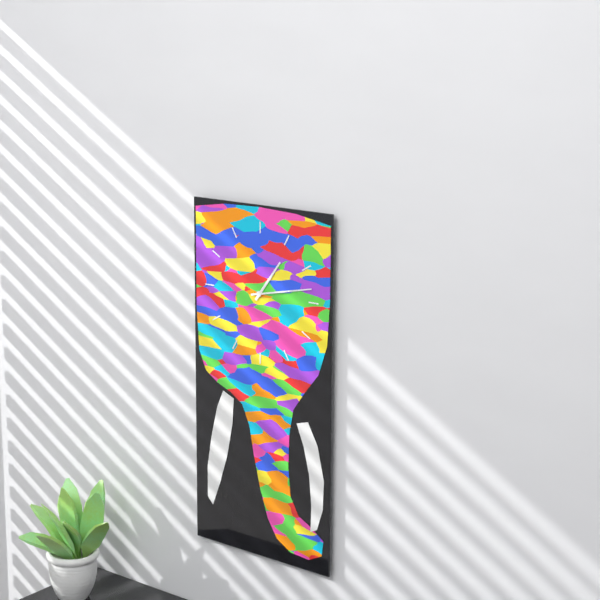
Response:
1.13
